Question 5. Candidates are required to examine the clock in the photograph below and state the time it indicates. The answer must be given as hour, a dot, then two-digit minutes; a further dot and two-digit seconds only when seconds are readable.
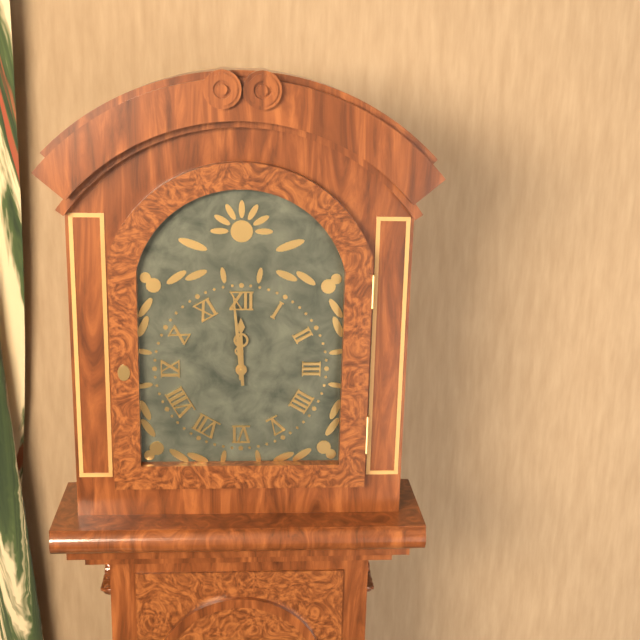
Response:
11.59
